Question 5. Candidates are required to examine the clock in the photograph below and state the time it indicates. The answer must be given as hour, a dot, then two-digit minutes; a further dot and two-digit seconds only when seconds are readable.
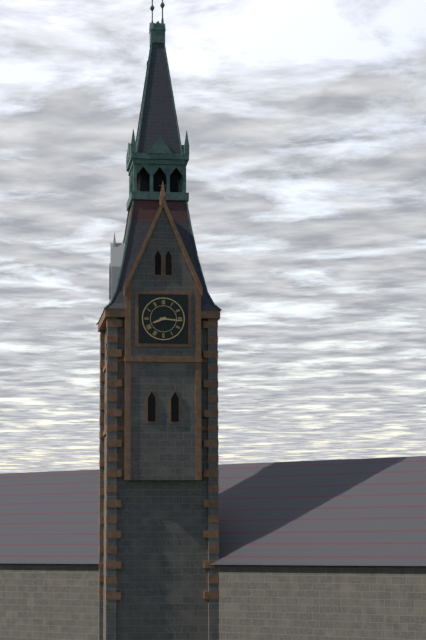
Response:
8.16
